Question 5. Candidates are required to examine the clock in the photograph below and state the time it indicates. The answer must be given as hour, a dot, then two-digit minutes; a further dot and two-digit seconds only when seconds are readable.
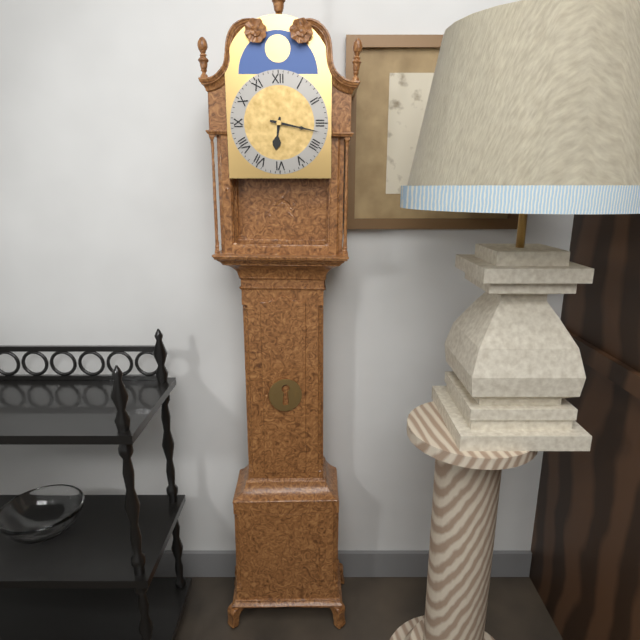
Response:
6.17
